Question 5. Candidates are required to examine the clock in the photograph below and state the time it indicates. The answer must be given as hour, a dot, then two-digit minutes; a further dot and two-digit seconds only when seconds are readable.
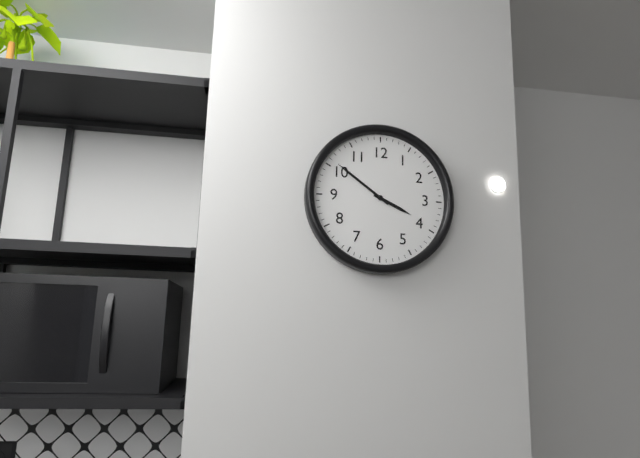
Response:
3.51
